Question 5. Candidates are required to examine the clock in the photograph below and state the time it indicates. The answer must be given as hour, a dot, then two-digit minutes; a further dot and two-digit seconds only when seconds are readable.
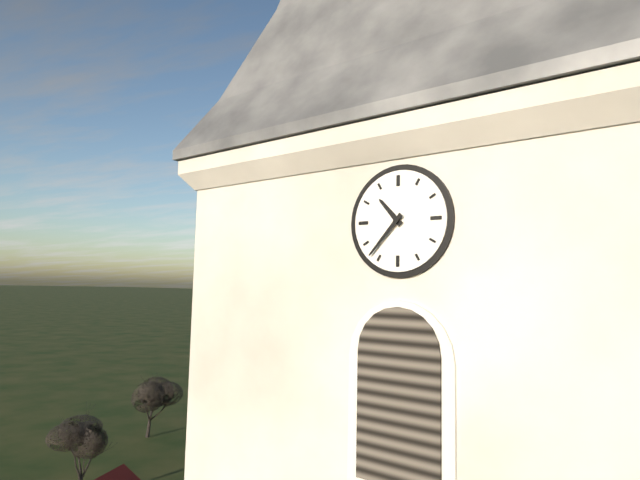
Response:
10.37
